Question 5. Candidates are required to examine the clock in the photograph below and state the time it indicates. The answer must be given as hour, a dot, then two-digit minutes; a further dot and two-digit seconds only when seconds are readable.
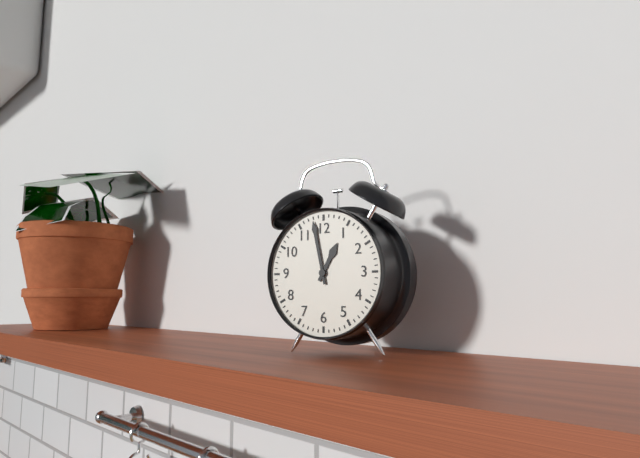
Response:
12.58
